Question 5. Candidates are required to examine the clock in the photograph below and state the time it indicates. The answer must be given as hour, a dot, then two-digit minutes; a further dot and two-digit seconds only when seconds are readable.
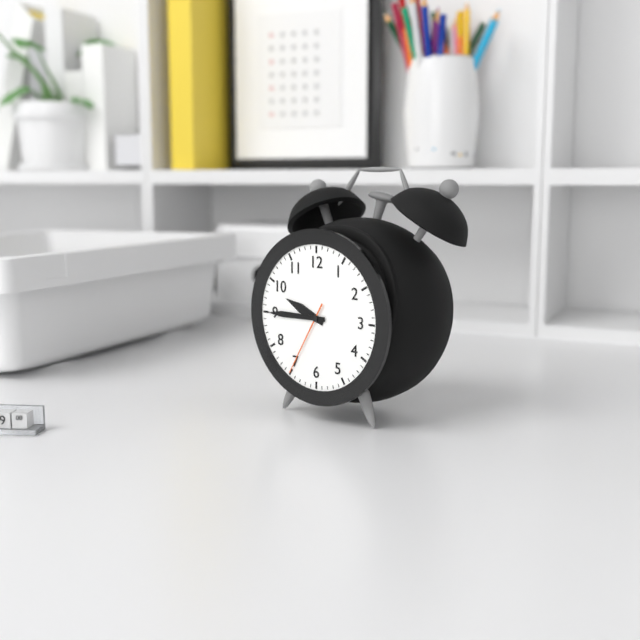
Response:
9.45.35
